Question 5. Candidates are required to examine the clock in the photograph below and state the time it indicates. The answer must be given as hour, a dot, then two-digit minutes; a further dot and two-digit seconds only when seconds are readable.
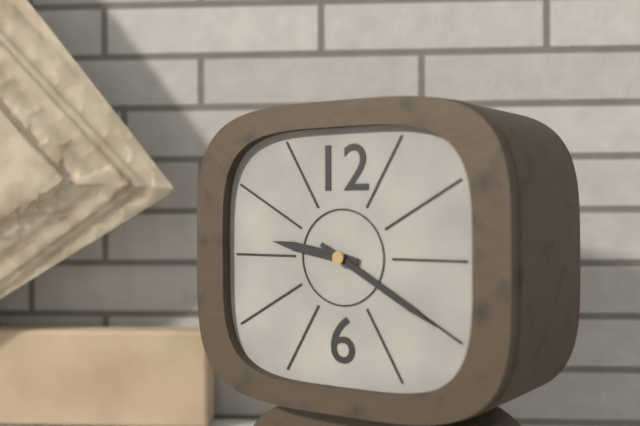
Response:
9.20
